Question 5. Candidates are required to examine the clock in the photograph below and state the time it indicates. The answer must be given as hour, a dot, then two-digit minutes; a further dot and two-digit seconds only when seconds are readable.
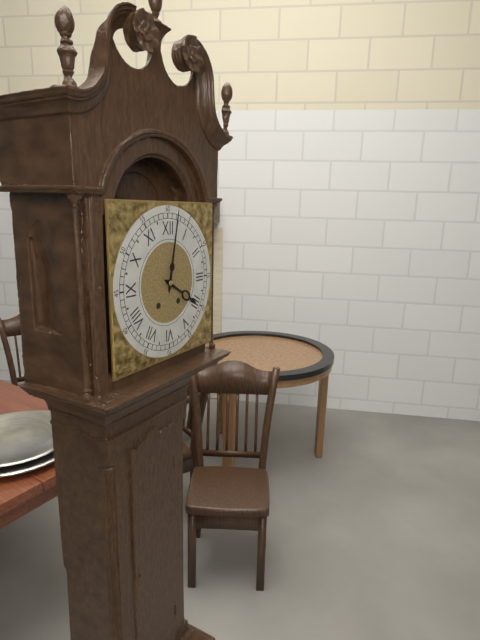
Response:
4.02
